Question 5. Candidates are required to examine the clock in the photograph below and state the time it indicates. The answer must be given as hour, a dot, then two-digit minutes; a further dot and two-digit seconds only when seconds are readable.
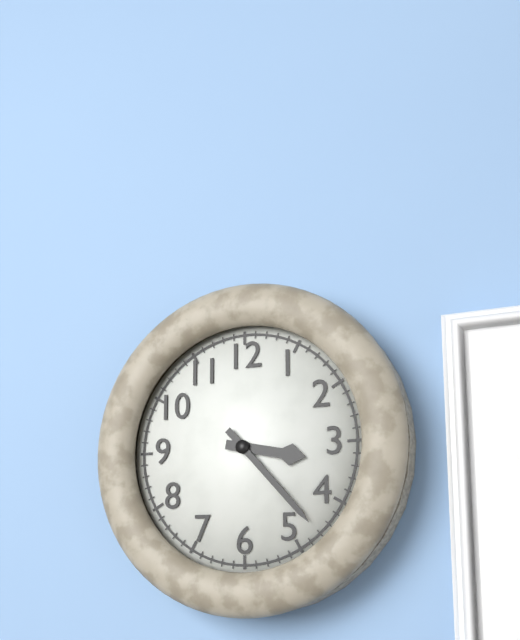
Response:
3.23
